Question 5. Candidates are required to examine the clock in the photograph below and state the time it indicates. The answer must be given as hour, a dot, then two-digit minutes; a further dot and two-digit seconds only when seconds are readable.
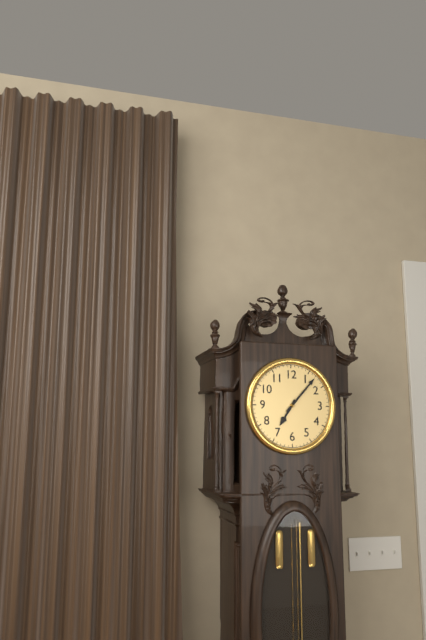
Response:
7.07
